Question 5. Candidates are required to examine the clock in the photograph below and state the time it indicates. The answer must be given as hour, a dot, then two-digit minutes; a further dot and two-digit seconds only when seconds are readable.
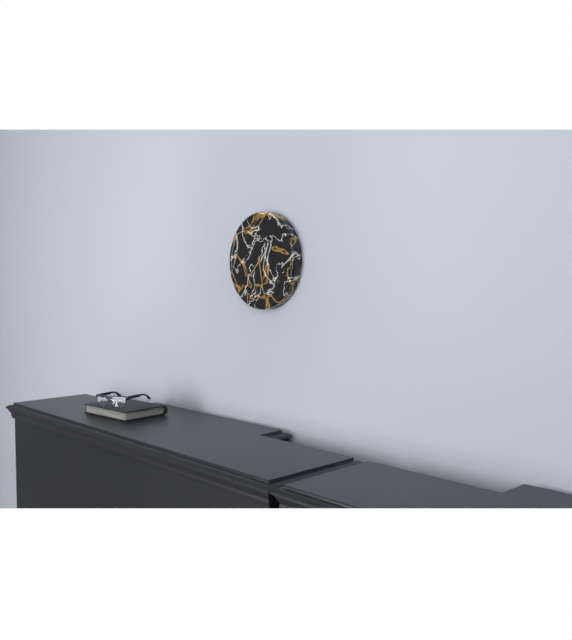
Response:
7.28
